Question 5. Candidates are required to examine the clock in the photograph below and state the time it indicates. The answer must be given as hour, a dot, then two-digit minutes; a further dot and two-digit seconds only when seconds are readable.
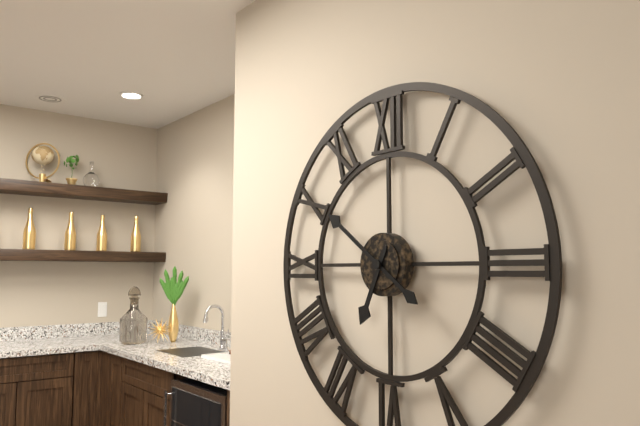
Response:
6.51
